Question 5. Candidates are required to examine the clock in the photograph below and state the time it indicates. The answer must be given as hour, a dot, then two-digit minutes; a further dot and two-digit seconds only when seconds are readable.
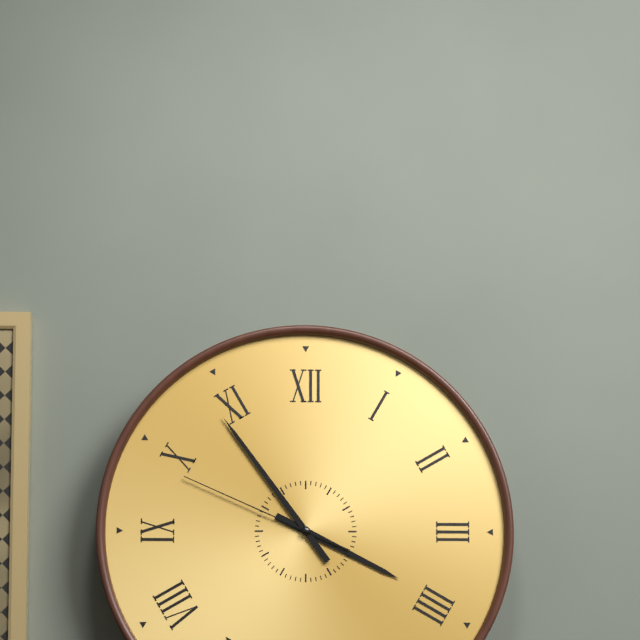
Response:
3.54.49
